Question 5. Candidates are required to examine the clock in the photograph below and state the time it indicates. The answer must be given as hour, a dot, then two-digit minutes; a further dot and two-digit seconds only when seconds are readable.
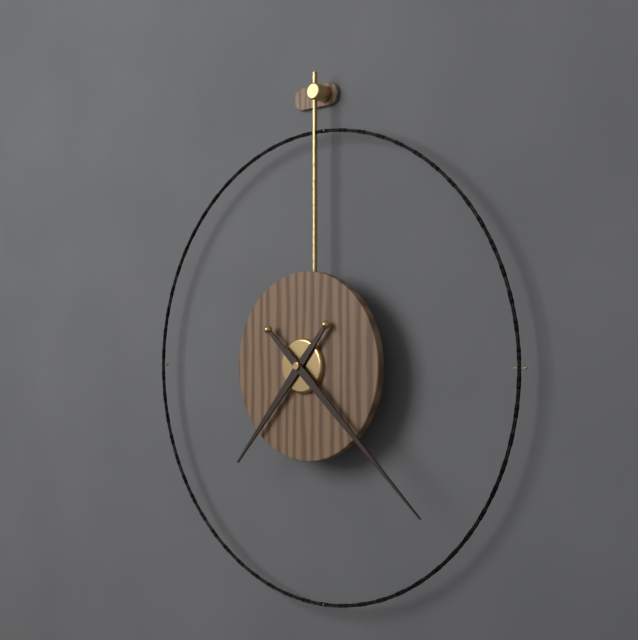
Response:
7.22
